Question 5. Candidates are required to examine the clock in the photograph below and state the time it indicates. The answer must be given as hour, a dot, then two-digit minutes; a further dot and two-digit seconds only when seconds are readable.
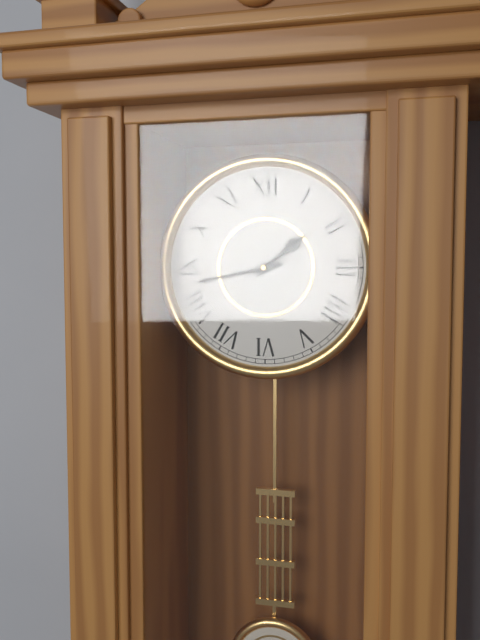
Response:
1.43
